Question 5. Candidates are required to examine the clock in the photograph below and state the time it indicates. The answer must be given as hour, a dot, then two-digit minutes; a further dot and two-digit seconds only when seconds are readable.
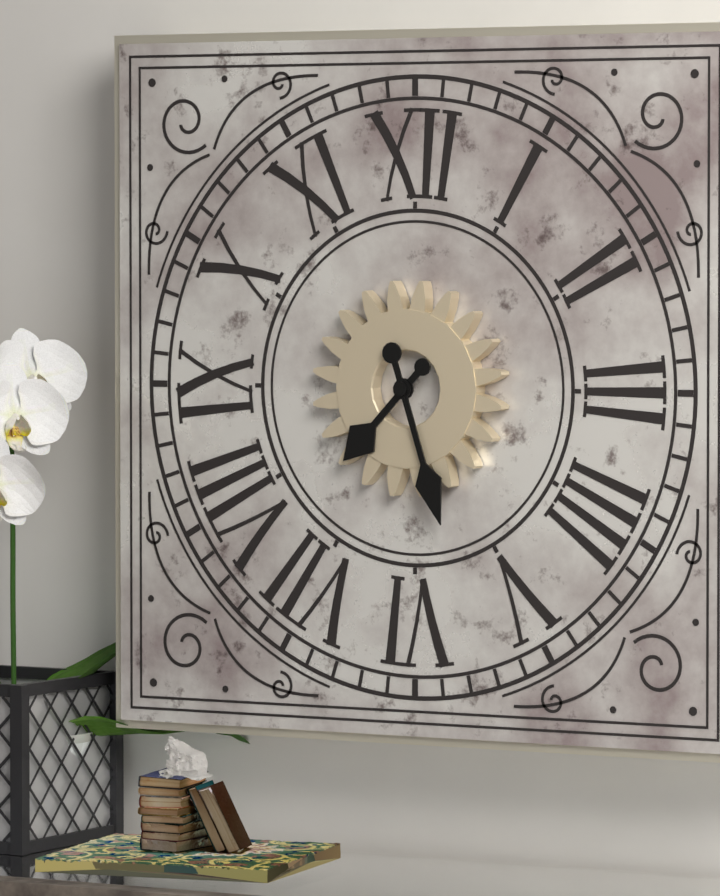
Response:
7.27
